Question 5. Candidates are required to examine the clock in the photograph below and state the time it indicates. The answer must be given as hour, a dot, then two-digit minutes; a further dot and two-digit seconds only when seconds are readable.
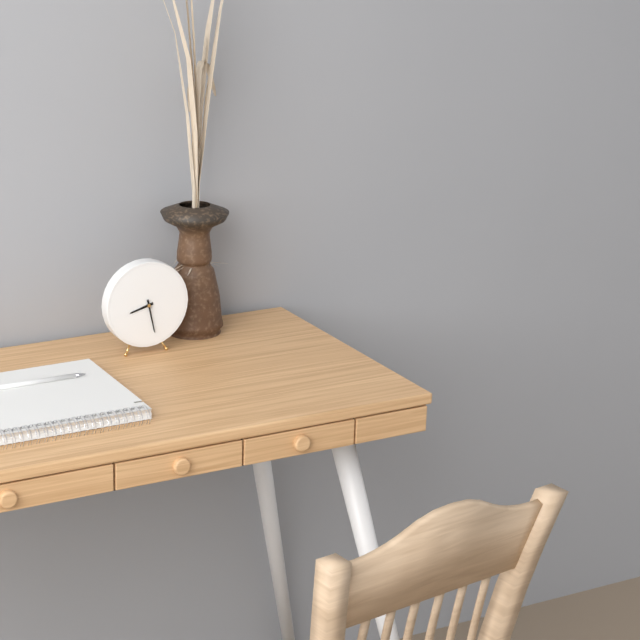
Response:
8.28
